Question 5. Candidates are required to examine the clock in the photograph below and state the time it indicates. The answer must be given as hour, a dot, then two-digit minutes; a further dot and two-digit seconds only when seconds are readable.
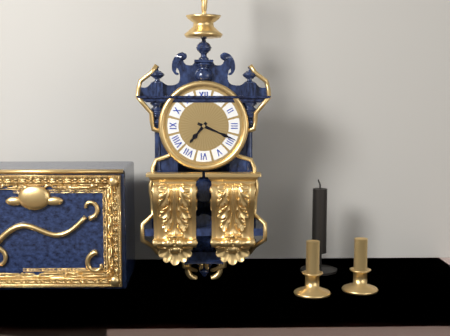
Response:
7.19
